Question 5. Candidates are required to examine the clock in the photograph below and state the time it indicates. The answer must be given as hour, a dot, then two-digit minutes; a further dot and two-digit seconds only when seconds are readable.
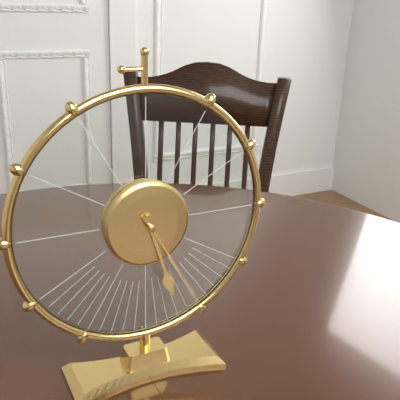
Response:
5.25
